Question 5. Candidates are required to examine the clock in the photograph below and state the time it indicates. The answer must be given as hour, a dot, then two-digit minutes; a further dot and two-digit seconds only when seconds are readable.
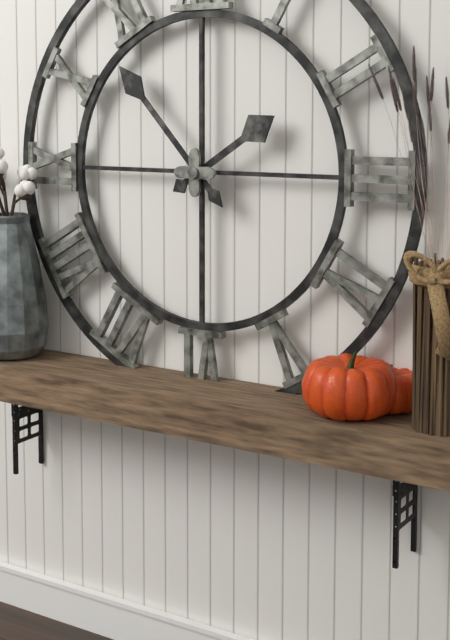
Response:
1.53
